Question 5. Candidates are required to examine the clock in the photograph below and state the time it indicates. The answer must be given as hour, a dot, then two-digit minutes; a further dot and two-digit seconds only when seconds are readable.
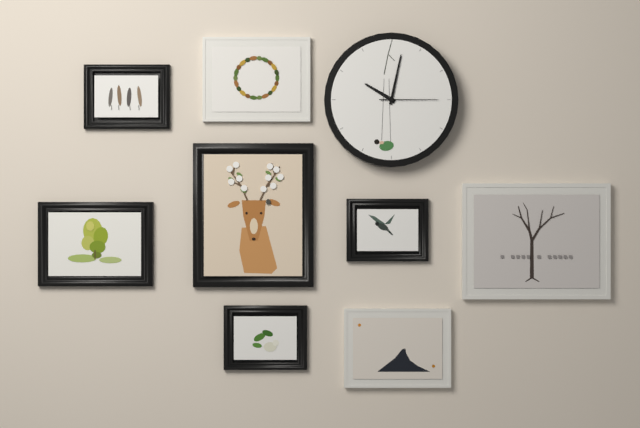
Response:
10.02.15
